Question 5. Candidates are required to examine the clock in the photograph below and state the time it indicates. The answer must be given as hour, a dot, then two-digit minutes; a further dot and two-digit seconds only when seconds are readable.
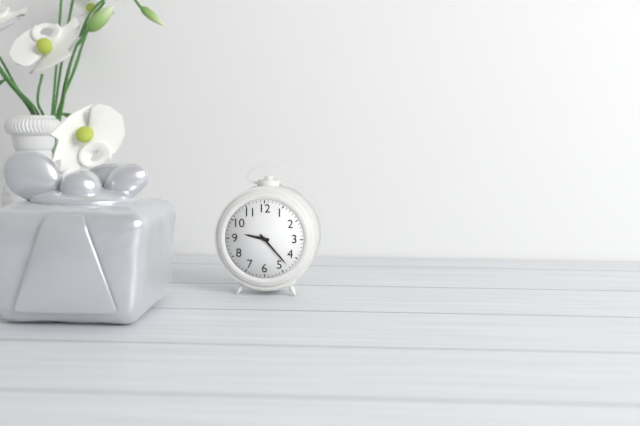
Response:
9.23
